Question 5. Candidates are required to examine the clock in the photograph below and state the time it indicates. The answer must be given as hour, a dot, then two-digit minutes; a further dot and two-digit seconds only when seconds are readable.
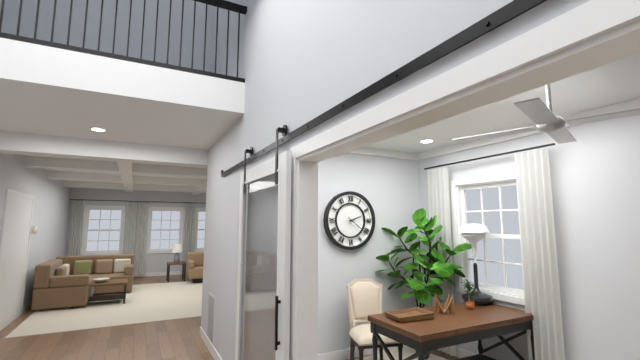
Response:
2.21
